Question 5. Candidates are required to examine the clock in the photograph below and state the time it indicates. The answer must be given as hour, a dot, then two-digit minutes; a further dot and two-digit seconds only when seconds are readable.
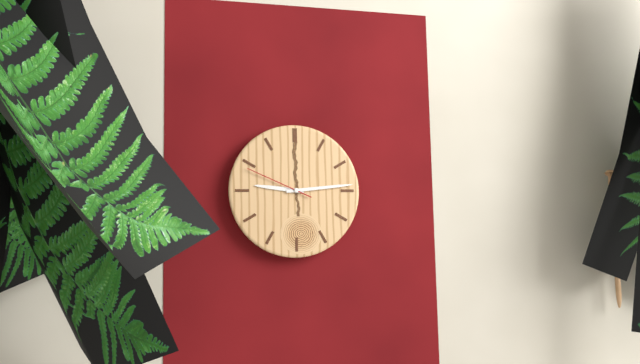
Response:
9.14.49
